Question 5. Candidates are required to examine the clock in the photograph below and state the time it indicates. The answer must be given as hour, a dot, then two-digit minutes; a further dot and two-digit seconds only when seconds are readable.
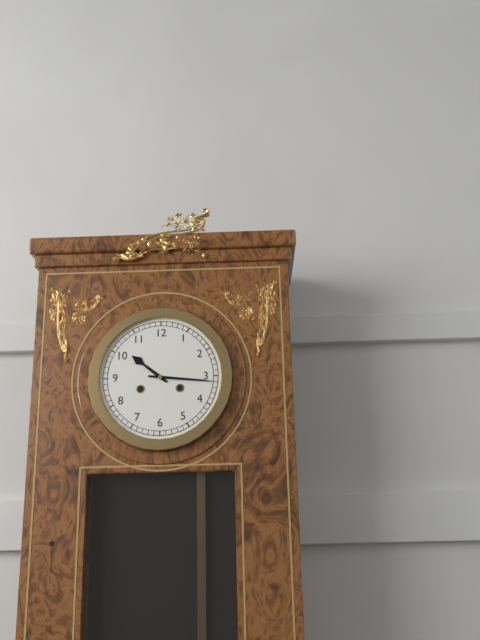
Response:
10.16
